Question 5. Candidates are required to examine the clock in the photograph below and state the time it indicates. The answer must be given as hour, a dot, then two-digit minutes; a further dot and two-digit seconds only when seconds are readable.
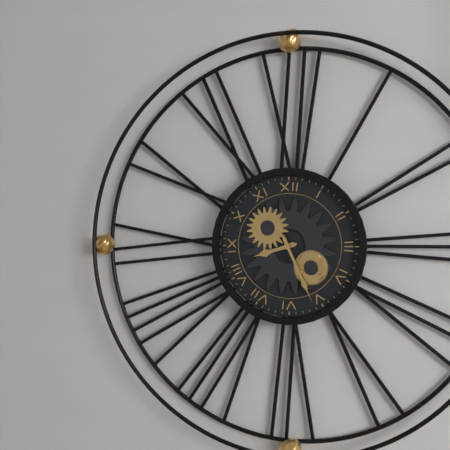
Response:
8.26
